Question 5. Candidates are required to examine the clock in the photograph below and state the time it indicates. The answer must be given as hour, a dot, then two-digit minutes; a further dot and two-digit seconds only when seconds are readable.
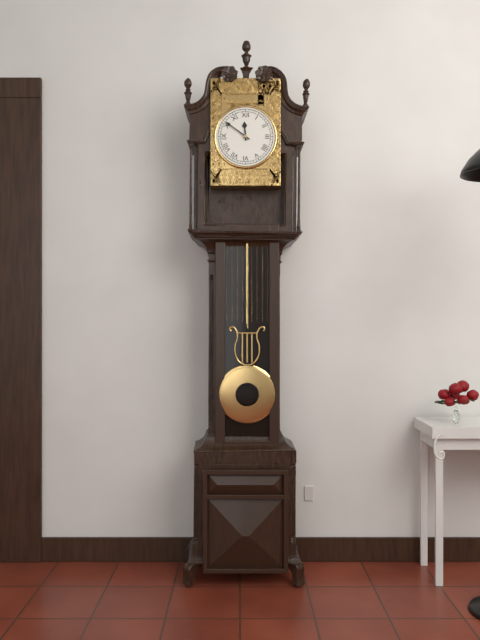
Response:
11.51
